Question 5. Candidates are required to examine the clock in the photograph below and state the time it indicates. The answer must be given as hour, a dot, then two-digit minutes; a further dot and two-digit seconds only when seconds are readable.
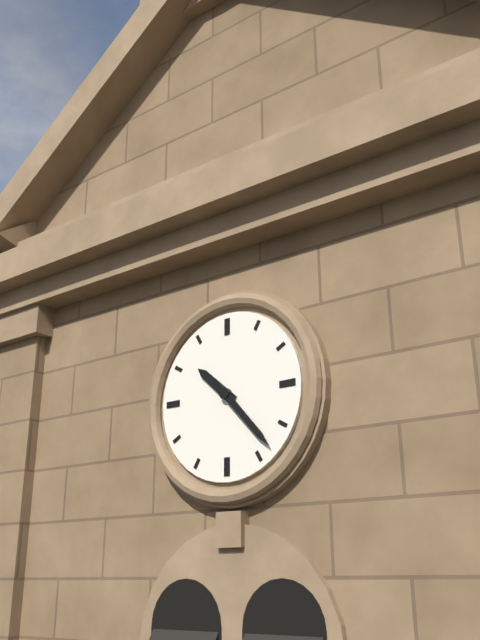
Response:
10.23
